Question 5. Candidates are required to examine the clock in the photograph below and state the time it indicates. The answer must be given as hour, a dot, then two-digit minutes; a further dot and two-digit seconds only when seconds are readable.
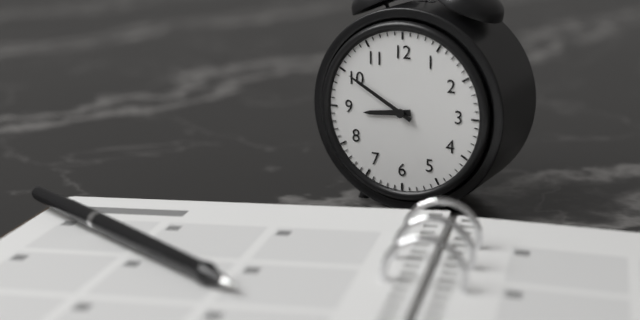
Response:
8.50
